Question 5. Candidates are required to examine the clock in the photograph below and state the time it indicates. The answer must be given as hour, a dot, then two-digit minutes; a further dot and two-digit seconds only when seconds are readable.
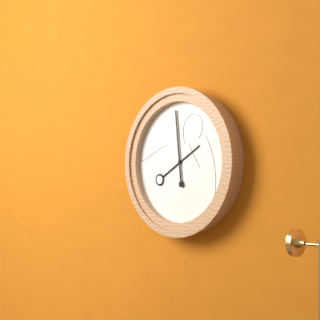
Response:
1.59
